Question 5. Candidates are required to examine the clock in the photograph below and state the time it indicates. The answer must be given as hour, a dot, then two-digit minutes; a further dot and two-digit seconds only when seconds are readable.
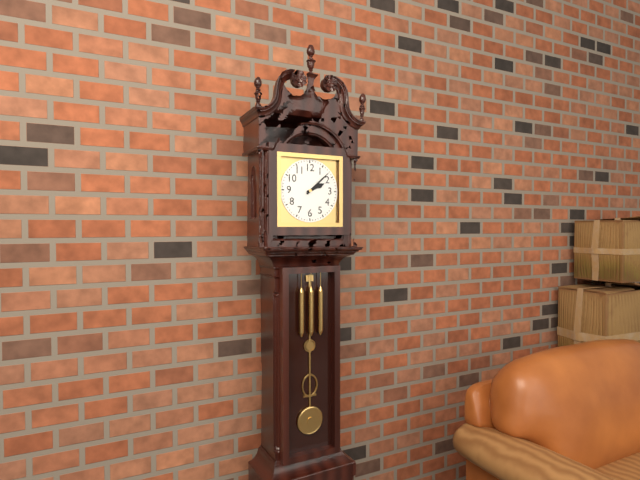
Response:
2.08
